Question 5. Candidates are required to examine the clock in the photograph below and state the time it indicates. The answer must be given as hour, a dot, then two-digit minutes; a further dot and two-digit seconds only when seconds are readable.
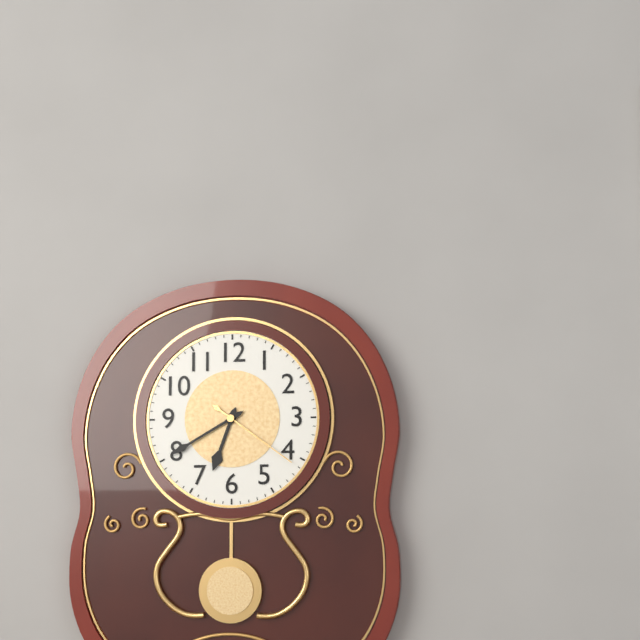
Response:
6.40.21
